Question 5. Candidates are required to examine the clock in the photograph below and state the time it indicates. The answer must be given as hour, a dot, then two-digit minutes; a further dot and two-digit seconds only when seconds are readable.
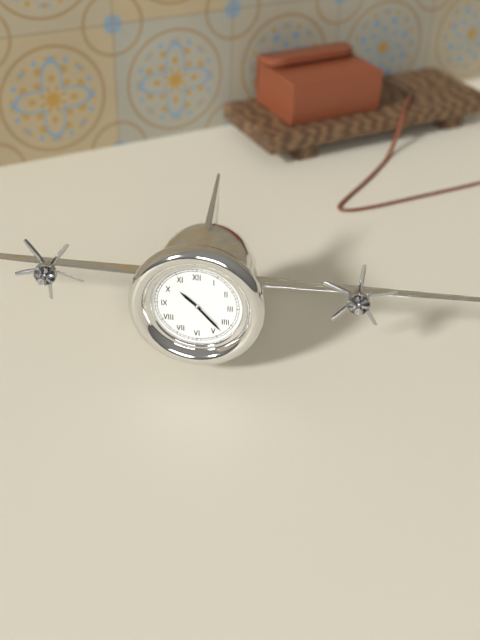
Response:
10.23
